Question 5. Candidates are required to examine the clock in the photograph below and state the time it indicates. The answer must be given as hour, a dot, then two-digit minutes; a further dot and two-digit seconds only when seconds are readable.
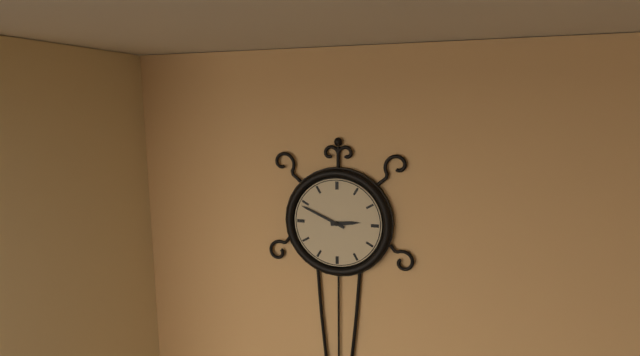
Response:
2.49
